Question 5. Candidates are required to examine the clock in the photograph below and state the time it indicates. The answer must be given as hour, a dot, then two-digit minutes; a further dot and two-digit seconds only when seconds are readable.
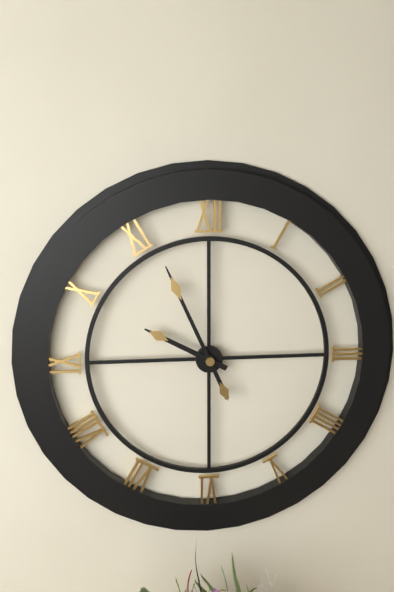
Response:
9.56
